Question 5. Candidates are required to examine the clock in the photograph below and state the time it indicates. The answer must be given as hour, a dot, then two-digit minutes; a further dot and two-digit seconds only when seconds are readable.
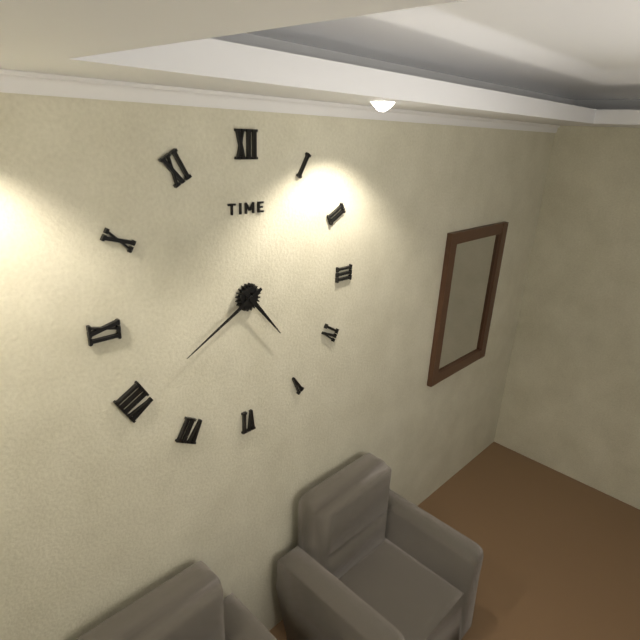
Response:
4.40
